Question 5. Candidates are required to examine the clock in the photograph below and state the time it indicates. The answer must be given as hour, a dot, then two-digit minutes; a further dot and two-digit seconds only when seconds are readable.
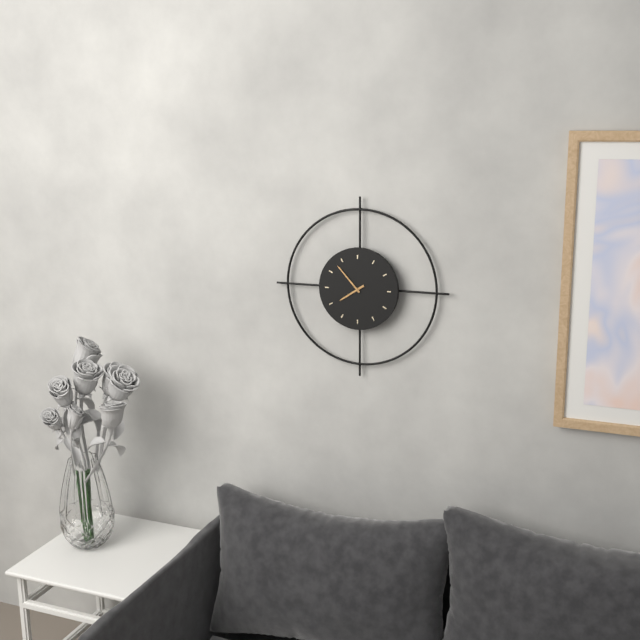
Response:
7.53
